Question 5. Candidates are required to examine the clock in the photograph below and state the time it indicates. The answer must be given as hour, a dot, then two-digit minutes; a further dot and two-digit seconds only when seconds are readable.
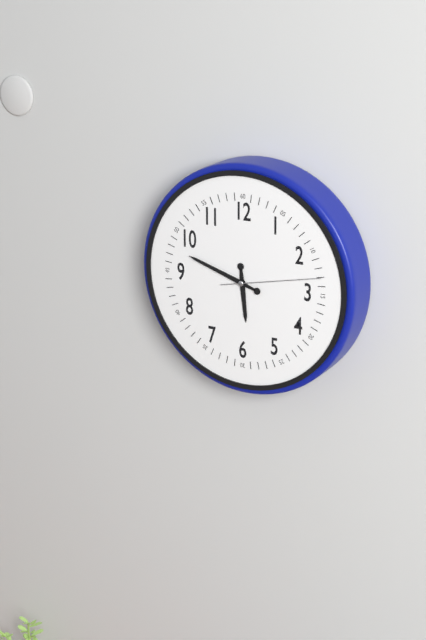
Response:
5.48.13
